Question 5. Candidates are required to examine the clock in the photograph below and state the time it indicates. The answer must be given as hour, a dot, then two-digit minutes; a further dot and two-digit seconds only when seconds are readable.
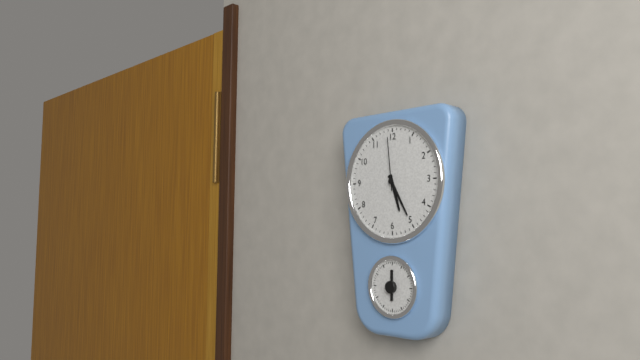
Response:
5.25.59
